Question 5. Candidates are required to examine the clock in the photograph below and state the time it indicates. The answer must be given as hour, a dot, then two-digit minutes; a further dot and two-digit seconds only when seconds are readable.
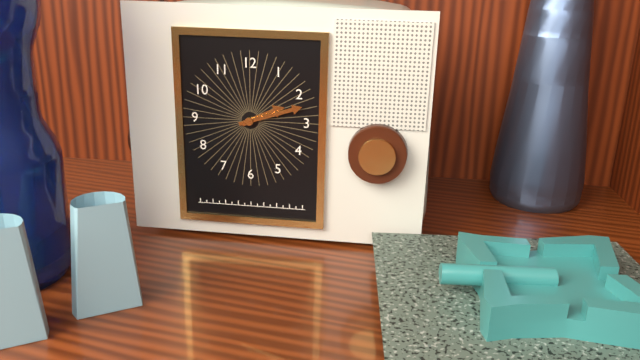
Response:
2.12
